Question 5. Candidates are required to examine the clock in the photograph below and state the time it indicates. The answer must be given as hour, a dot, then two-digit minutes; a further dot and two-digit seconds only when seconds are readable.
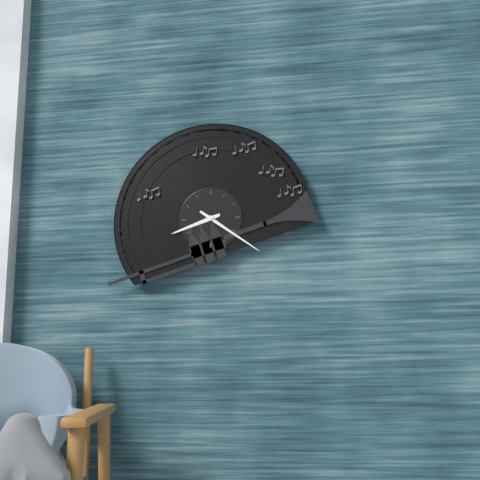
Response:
8.21
